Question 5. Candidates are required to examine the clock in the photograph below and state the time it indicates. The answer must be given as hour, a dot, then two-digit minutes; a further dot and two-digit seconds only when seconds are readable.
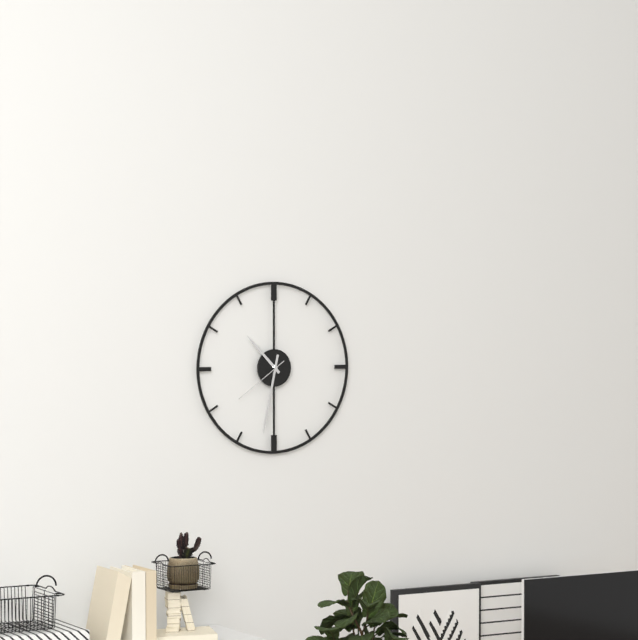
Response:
10.32.39
